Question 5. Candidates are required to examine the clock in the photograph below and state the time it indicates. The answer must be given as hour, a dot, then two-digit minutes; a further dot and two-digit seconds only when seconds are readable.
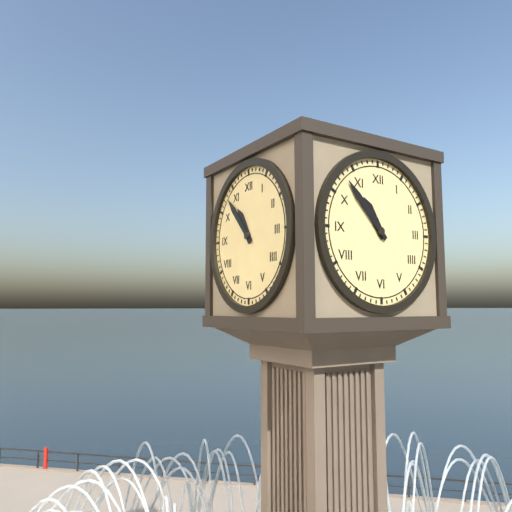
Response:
10.53
